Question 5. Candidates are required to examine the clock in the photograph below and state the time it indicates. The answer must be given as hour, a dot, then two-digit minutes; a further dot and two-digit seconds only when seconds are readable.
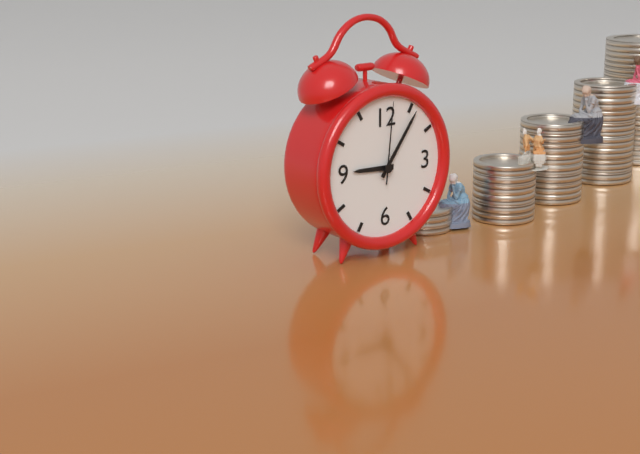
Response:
9.06.01
